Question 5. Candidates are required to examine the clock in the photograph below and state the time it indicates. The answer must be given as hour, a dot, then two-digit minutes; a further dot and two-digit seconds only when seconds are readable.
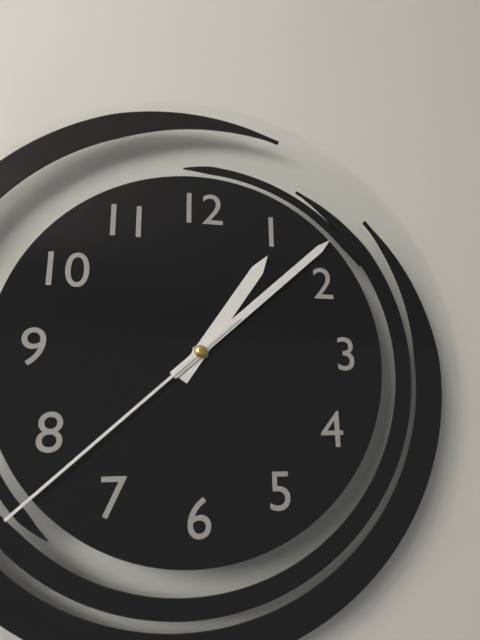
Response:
1.08.38
